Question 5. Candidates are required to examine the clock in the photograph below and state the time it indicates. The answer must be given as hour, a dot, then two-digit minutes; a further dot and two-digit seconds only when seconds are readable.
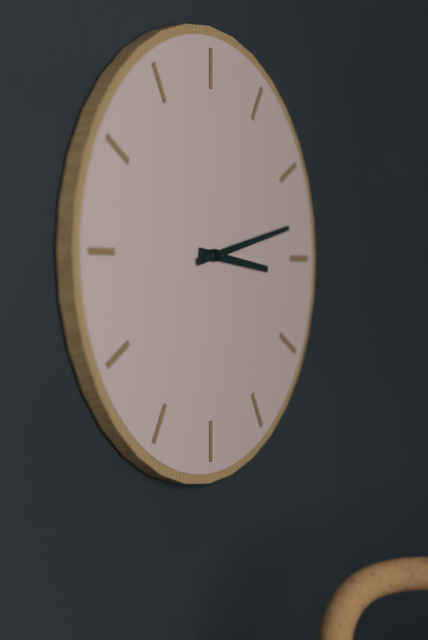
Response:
3.13
